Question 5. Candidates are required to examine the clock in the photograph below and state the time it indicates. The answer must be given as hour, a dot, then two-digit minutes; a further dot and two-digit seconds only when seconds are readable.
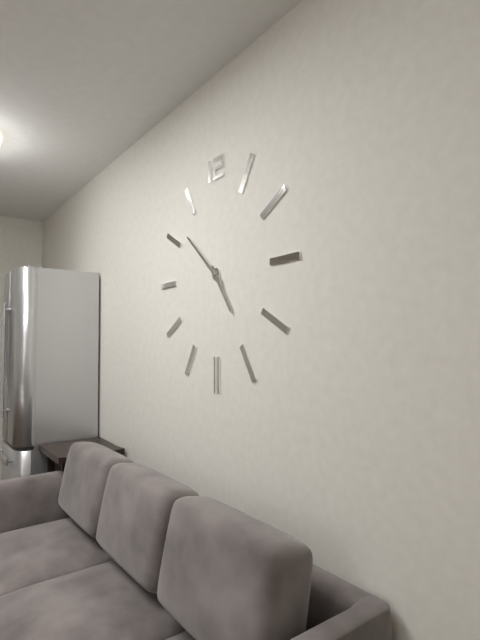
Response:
4.52
